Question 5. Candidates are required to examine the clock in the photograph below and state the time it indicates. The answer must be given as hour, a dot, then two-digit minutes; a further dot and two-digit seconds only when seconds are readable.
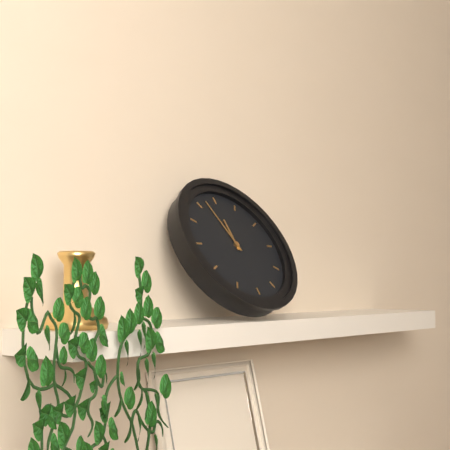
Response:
11.57
